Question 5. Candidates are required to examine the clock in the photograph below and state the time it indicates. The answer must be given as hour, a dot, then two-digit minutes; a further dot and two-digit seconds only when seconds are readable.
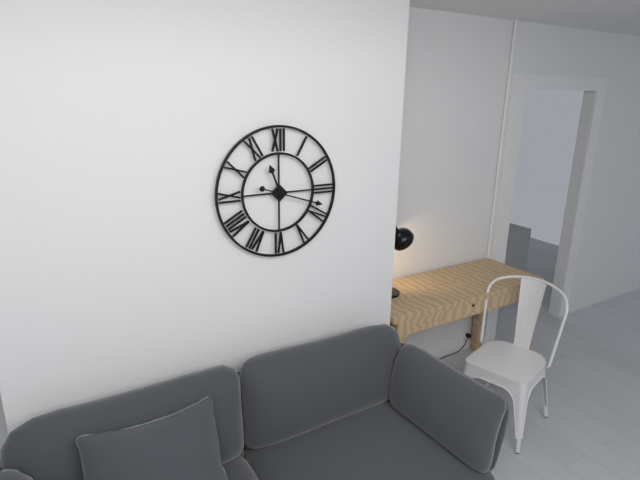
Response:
11.18
